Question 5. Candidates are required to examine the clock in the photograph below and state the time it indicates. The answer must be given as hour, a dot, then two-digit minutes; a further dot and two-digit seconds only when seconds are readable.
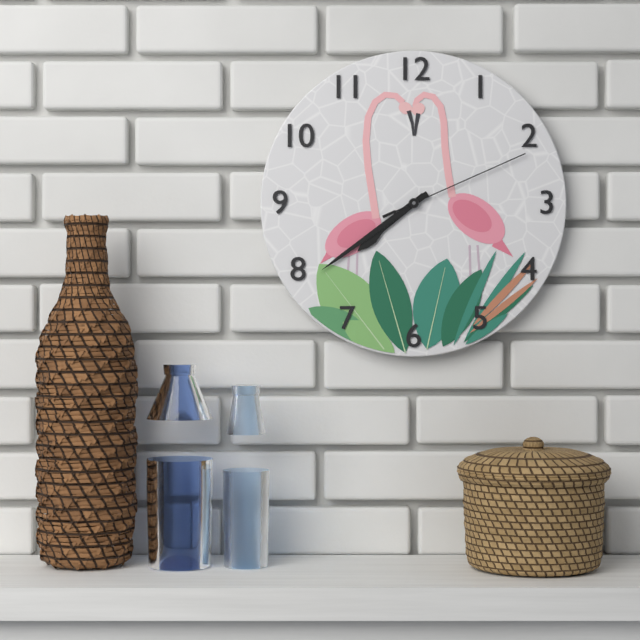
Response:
7.39.11
